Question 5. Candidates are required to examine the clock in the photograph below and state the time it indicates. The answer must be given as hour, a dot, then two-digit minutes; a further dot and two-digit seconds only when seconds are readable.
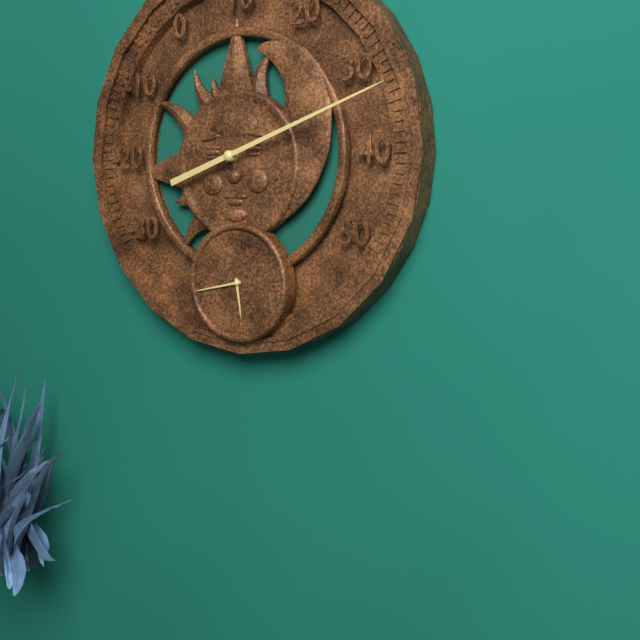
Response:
5.43
